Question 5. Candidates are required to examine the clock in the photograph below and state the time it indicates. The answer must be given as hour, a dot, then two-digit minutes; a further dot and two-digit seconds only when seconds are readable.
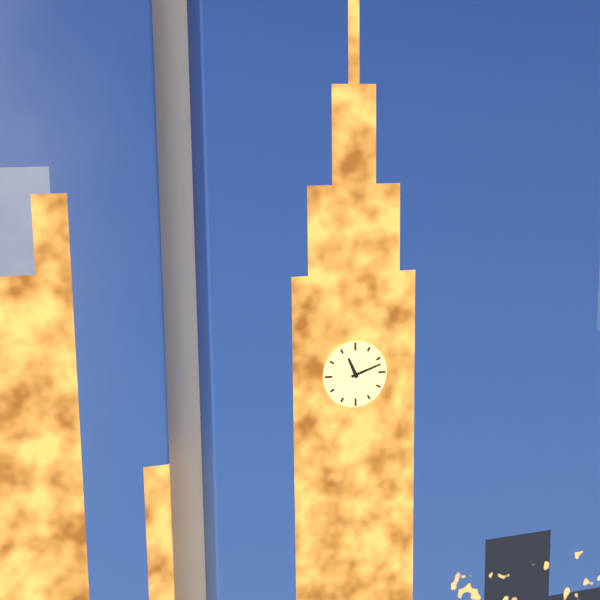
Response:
11.12
